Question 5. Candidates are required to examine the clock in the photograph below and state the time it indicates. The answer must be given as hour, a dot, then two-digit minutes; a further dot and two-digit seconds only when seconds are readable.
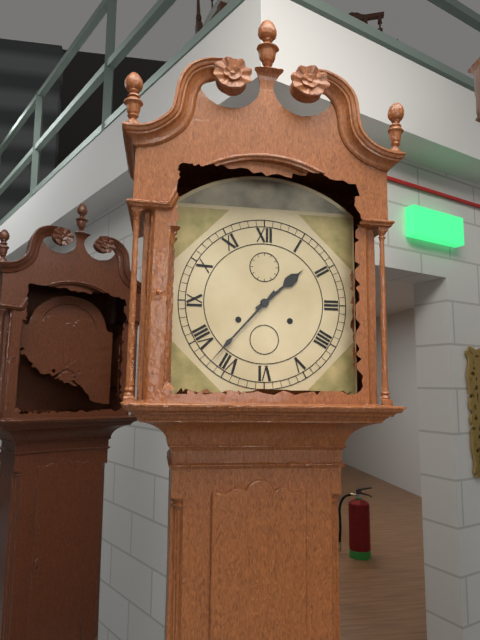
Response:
1.37
